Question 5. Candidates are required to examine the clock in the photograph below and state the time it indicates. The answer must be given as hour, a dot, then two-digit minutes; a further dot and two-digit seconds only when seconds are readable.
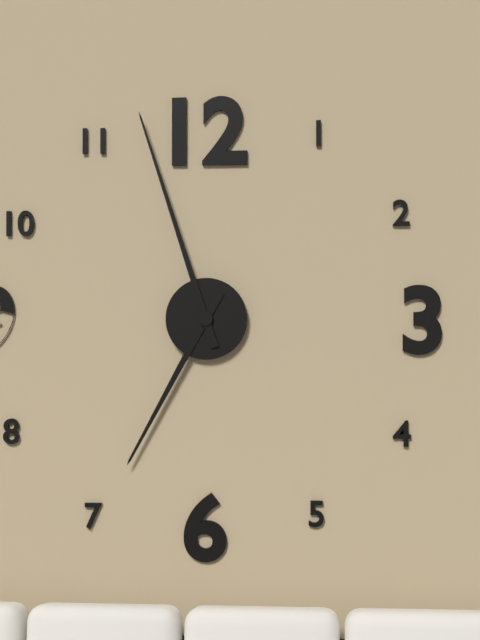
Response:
6.57
